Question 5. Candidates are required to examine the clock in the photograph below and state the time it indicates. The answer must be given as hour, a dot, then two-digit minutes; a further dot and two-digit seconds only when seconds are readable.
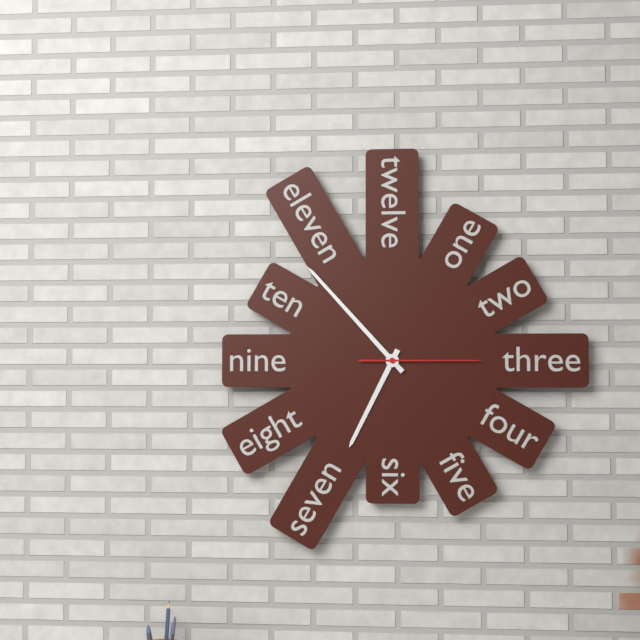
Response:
6.53.15
